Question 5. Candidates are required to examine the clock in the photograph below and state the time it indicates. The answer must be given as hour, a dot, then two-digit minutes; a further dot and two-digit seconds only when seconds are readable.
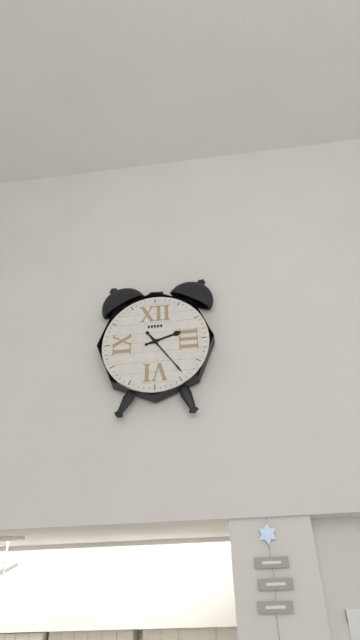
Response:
2.24
